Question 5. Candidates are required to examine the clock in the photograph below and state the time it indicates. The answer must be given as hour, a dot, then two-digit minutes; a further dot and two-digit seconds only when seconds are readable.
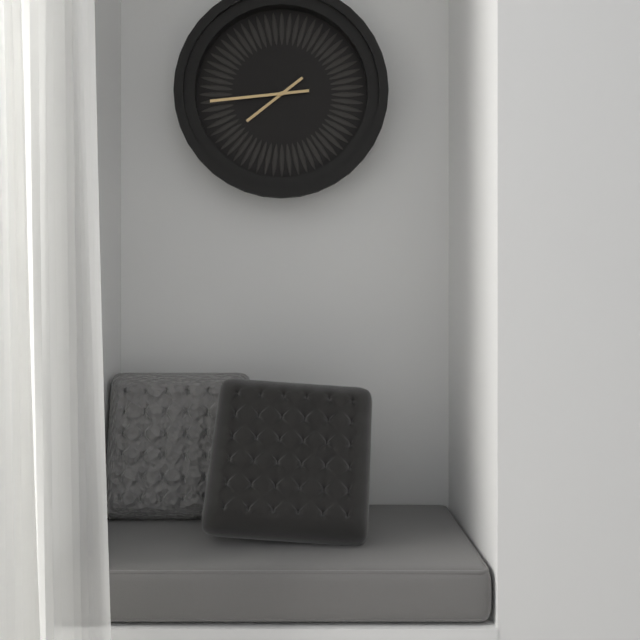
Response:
7.44
